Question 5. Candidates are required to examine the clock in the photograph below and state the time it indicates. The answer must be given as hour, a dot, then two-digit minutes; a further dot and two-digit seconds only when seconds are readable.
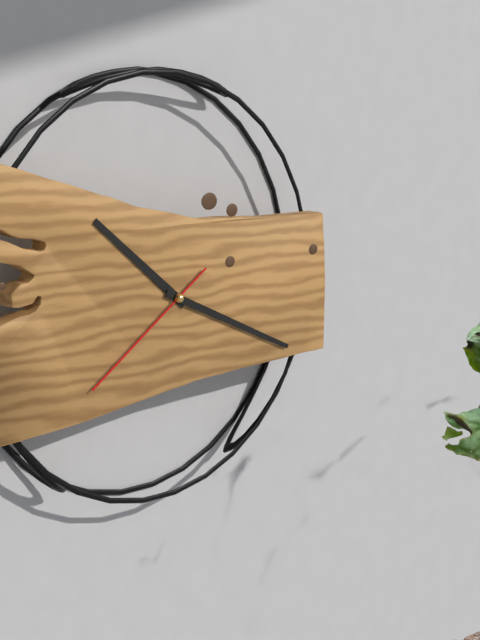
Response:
10.19.39
